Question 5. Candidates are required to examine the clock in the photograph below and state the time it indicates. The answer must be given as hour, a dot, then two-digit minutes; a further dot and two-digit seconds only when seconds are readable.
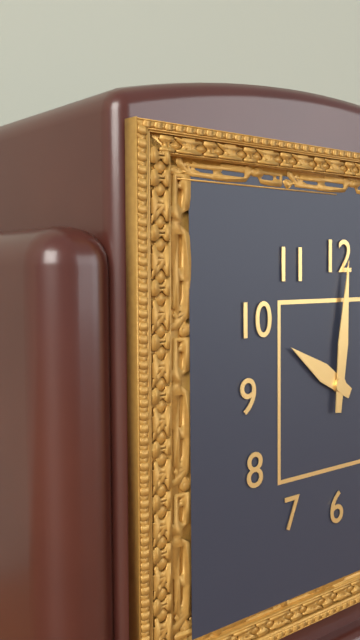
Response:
10.01
